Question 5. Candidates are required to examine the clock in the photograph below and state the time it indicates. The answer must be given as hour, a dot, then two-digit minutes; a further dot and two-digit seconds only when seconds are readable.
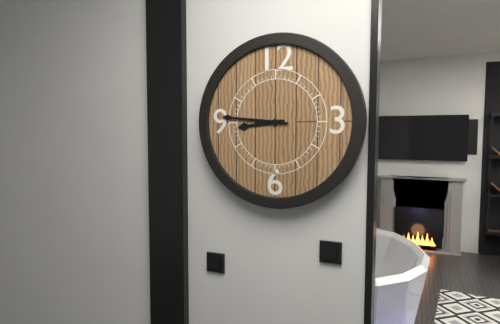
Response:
8.46
